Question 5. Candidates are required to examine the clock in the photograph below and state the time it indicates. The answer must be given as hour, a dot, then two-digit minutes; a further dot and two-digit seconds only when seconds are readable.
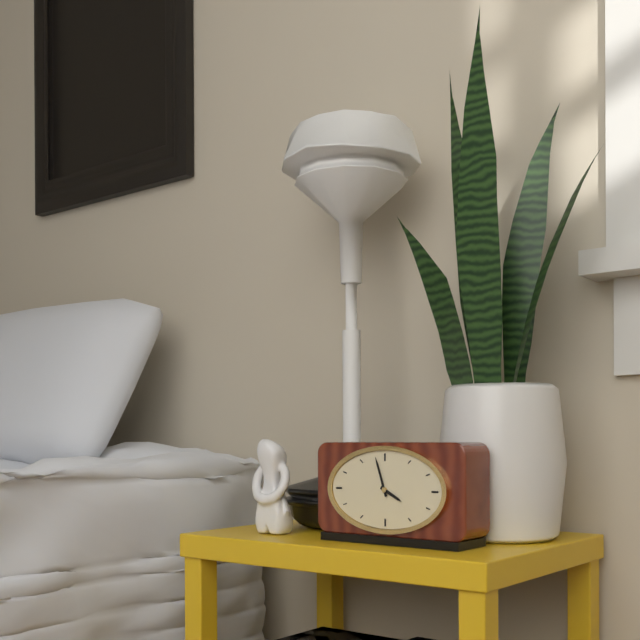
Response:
3.57
